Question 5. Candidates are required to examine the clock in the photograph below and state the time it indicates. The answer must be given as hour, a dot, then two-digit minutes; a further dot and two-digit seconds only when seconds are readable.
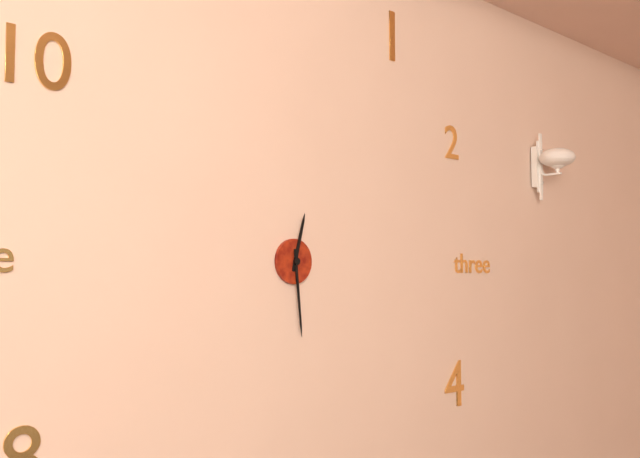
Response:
12.29
